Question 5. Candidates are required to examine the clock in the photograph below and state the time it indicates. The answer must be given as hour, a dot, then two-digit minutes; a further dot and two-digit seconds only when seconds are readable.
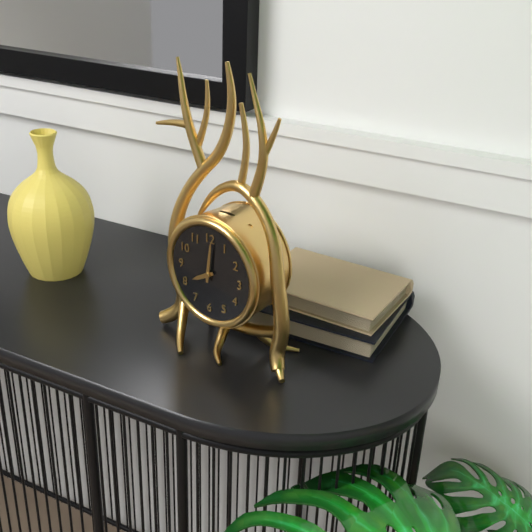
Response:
8.01
